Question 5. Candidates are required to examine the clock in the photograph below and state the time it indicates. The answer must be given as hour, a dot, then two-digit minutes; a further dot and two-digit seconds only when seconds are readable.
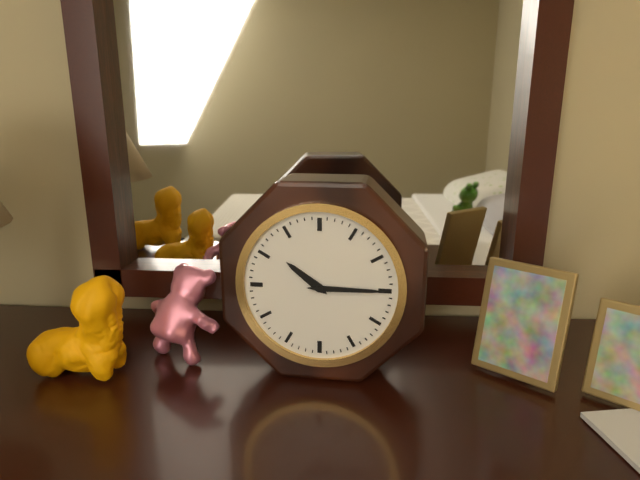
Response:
10.15
